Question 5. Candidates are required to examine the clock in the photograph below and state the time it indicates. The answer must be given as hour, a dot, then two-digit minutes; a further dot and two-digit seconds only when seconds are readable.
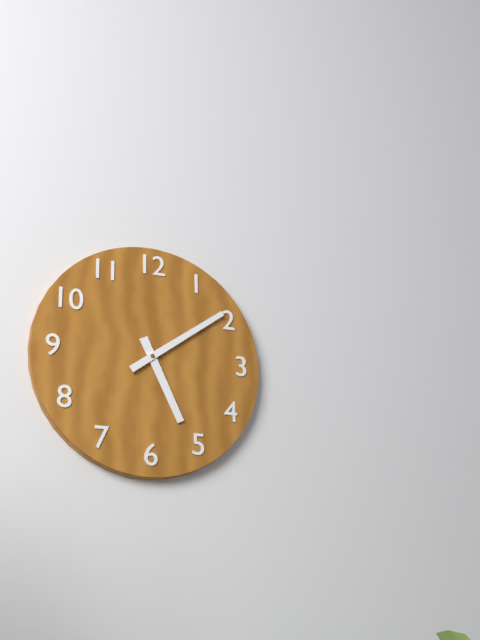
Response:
5.09
